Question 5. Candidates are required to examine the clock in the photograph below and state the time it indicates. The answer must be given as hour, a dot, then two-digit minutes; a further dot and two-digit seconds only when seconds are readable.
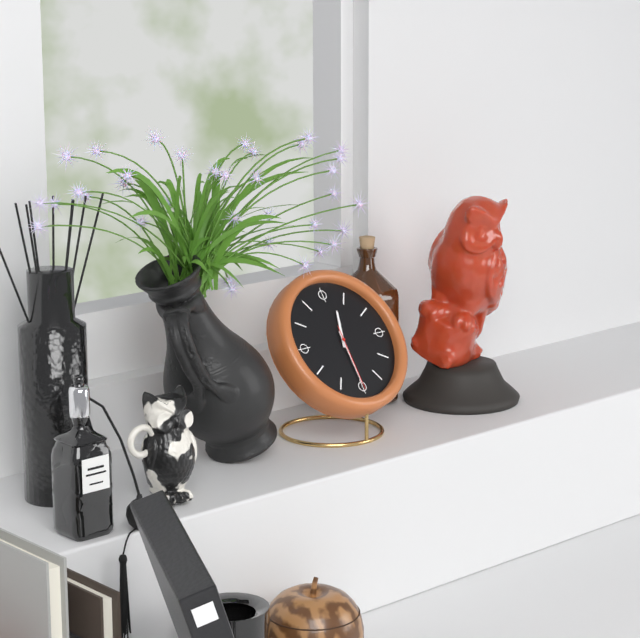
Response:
12.30.30
